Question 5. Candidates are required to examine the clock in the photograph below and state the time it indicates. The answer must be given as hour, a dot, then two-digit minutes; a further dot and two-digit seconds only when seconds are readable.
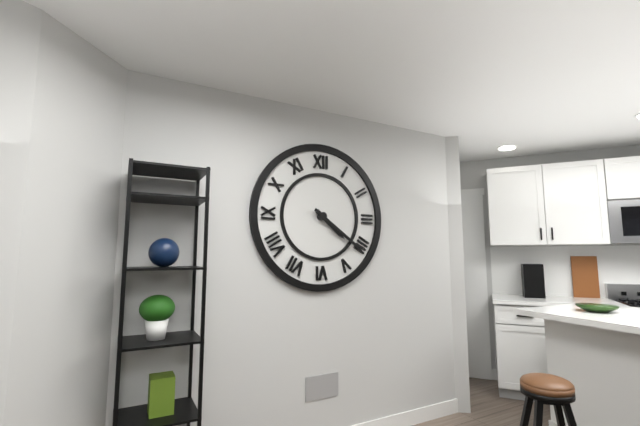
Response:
4.21
